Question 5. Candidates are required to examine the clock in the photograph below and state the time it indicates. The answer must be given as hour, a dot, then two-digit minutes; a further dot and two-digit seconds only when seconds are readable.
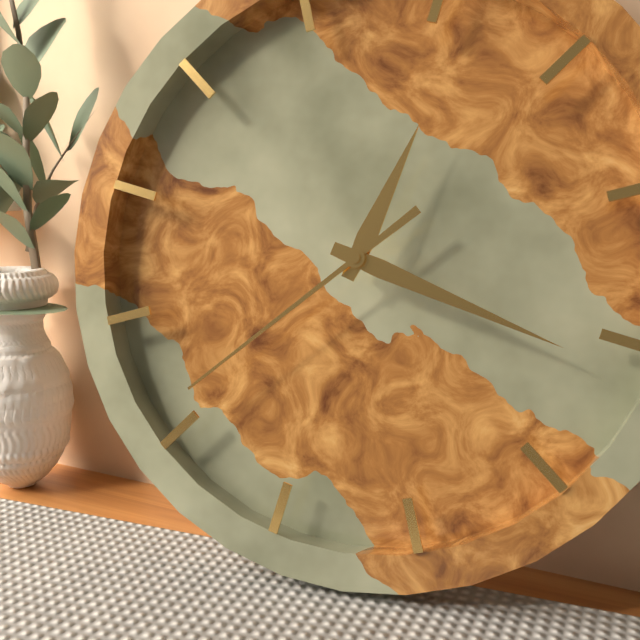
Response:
12.16.36
